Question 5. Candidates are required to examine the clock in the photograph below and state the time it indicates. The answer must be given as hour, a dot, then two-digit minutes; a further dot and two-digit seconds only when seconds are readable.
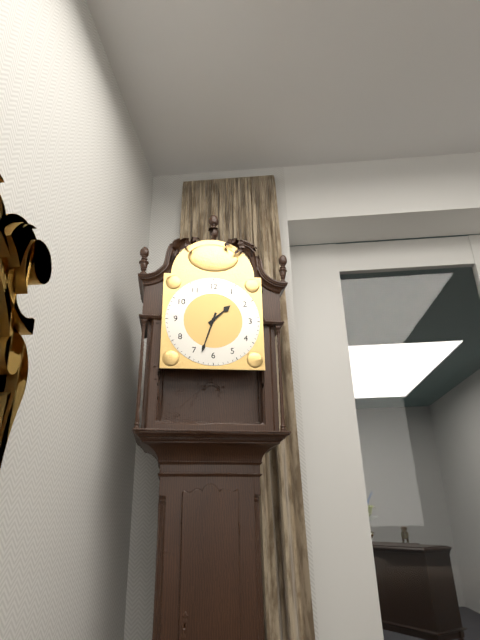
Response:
1.33
